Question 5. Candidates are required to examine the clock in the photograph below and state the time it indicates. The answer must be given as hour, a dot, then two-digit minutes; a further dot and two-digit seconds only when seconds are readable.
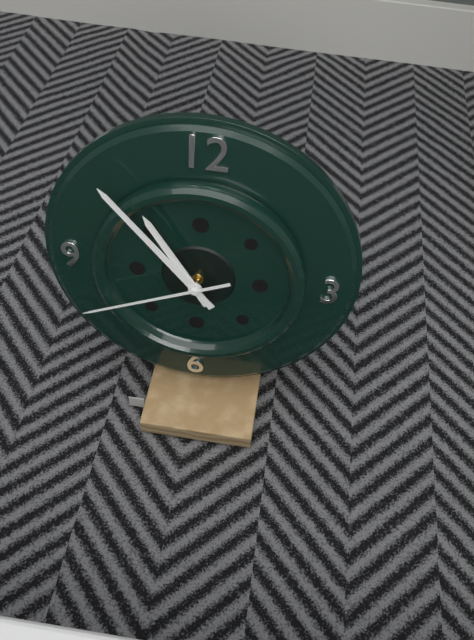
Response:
10.53.41
